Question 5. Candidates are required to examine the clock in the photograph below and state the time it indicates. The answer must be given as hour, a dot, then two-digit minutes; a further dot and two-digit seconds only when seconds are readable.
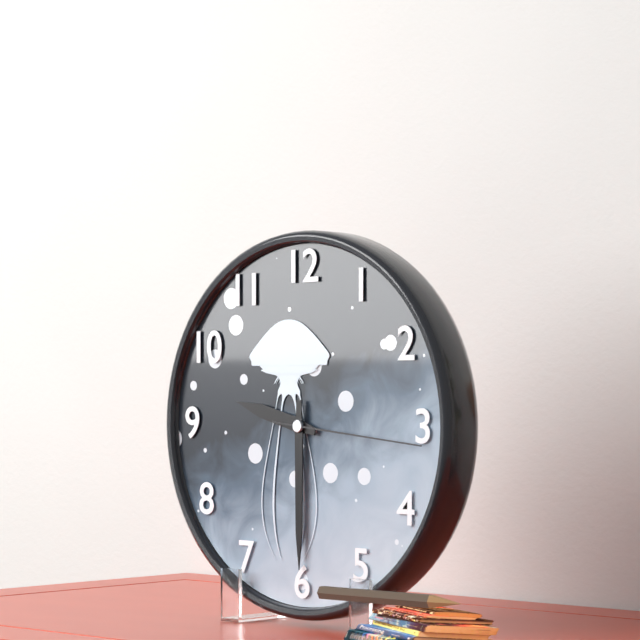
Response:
9.30.16
